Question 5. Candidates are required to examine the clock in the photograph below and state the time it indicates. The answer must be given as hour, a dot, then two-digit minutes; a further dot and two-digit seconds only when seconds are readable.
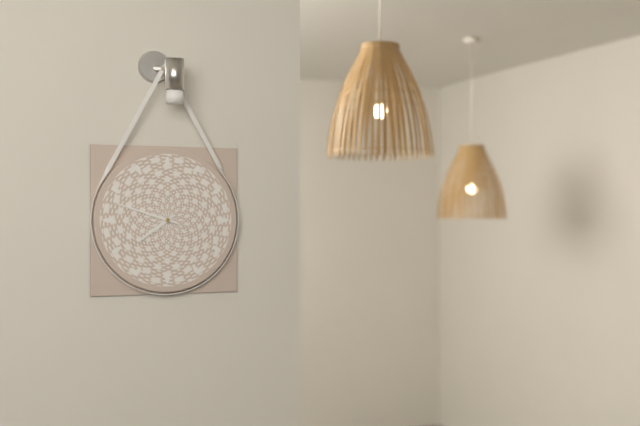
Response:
7.48
